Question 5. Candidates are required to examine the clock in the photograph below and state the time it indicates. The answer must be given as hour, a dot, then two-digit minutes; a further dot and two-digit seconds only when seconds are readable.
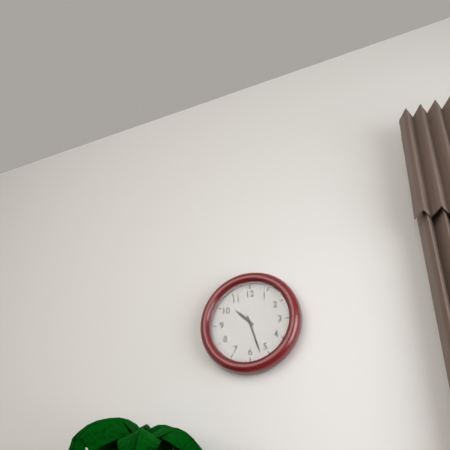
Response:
10.27
